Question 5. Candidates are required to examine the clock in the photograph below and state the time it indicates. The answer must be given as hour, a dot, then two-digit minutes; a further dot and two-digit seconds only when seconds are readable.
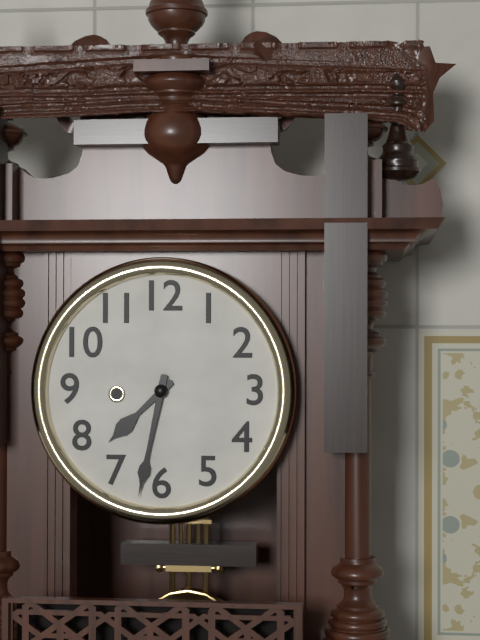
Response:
7.32
